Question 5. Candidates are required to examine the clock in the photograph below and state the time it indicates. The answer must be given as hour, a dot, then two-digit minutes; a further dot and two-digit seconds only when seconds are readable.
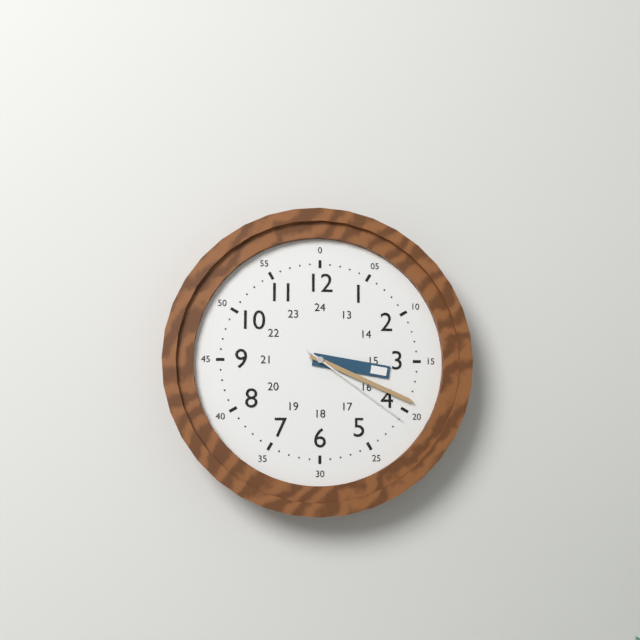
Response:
3.19.21
